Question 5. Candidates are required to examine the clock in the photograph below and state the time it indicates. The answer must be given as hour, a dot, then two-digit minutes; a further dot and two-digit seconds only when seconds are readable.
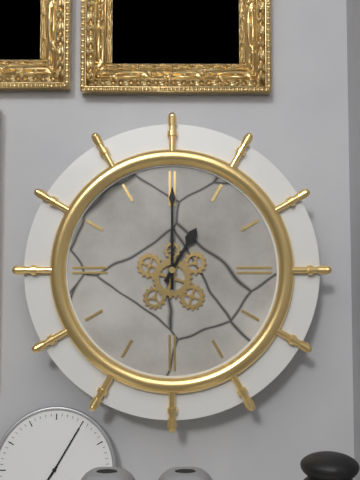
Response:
1.00
